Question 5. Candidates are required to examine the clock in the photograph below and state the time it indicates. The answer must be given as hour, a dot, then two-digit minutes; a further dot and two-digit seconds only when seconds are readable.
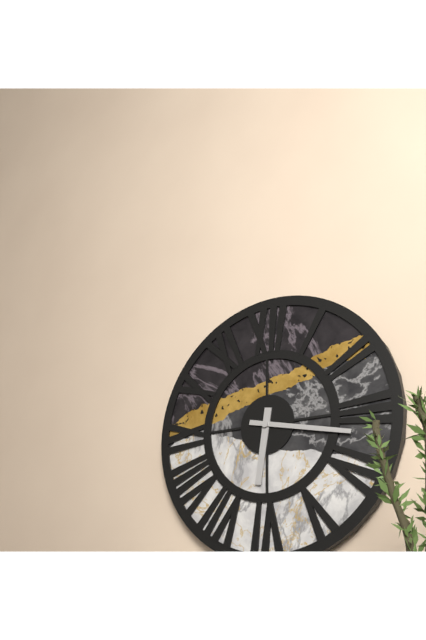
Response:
6.17
